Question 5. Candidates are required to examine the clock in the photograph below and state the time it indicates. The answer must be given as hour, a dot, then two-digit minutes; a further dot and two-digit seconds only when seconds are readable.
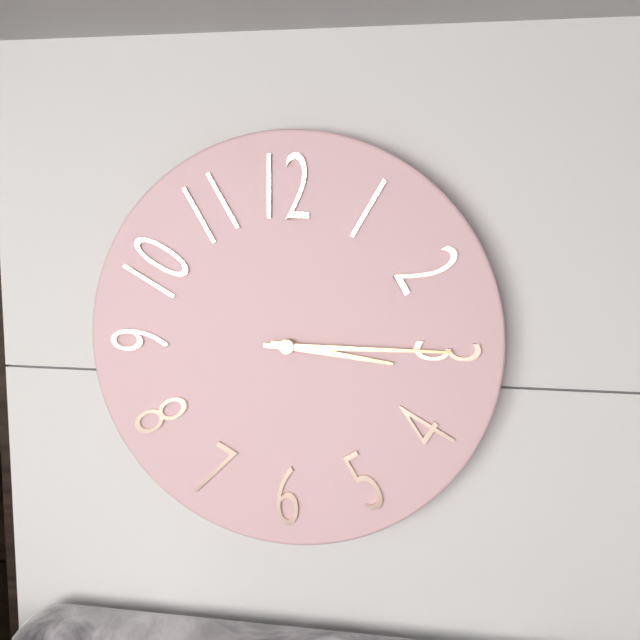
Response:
3.15
